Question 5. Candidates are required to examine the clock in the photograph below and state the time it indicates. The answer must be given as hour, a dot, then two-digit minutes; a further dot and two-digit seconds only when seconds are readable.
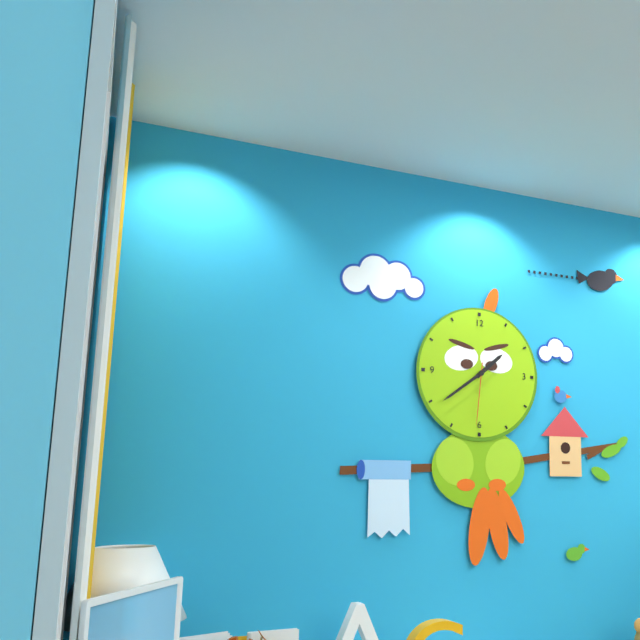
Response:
1.39.31
